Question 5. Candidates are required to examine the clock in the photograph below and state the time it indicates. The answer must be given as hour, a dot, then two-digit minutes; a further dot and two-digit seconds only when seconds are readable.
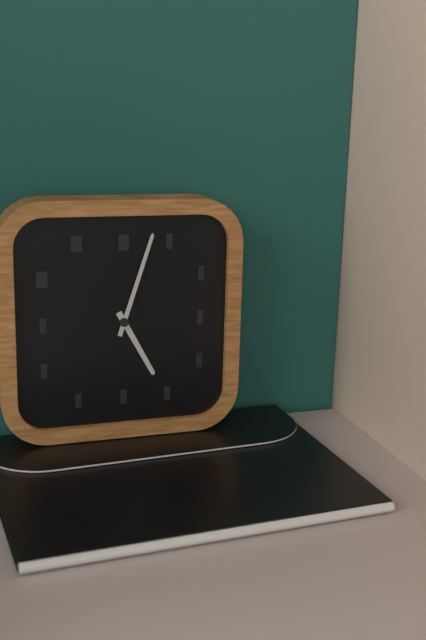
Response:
5.03
